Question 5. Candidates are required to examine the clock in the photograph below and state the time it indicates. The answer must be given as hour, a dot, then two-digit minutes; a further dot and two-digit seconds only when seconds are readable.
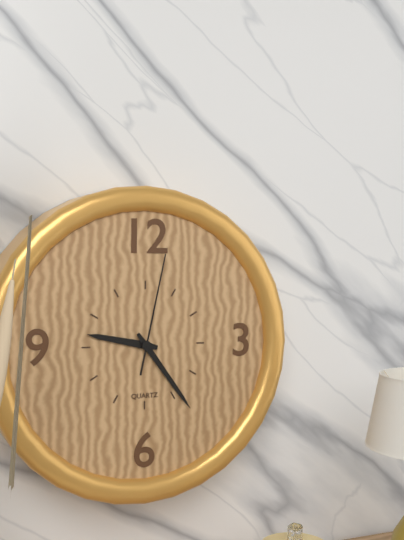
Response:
9.24.02
